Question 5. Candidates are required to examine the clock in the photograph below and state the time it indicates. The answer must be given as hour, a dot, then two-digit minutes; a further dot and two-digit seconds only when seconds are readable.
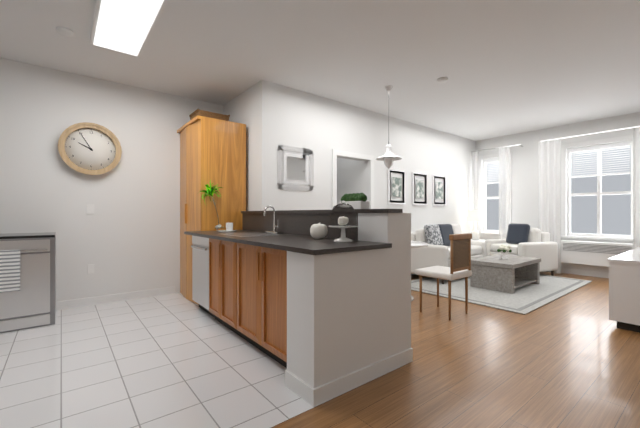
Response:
9.55
